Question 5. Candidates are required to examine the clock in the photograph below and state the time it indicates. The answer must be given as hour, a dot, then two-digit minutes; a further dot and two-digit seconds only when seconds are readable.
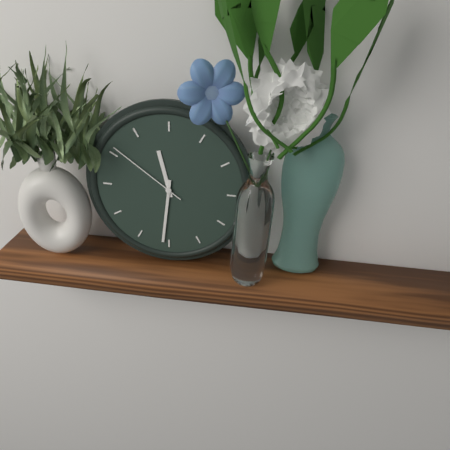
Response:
11.31.51
